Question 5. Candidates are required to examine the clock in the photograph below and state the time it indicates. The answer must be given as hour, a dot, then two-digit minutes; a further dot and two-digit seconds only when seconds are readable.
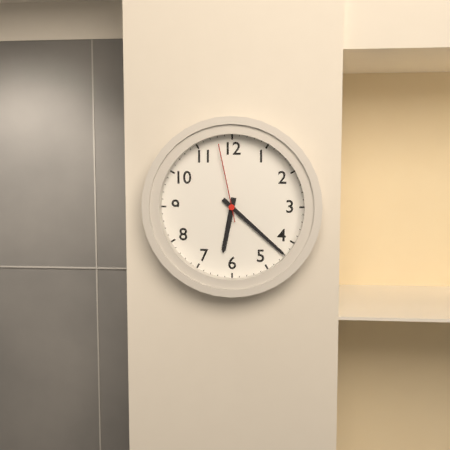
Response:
6.22.58
